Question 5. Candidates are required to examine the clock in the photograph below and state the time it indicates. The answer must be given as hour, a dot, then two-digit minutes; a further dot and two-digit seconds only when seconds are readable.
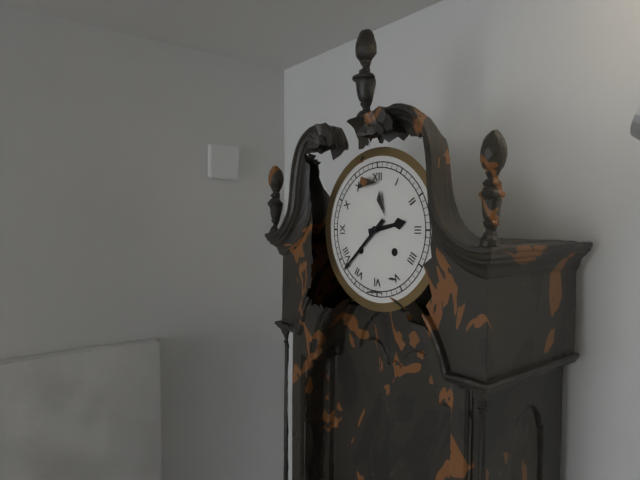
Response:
2.38
